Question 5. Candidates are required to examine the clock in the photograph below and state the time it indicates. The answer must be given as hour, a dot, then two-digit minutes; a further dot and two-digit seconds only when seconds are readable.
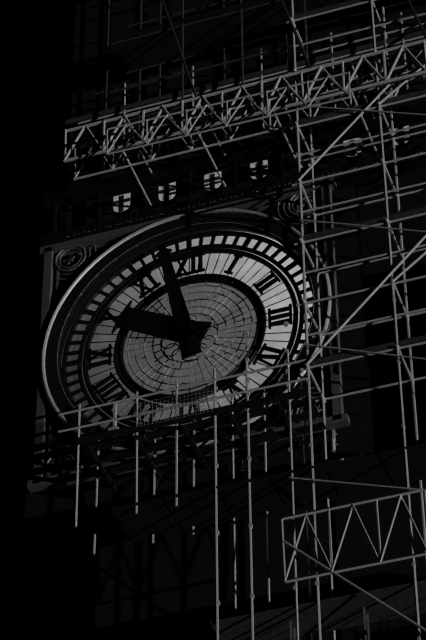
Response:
9.58
